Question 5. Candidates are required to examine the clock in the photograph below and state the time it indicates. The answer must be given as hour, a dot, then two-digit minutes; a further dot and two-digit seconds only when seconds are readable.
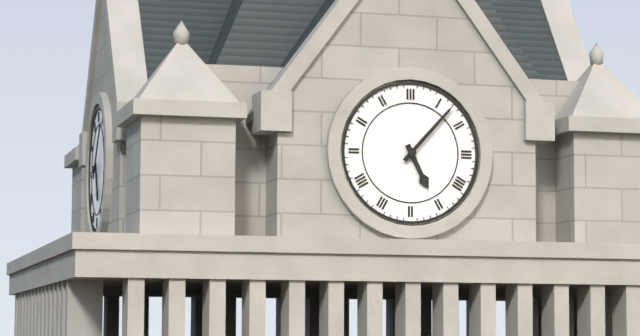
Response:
5.07
